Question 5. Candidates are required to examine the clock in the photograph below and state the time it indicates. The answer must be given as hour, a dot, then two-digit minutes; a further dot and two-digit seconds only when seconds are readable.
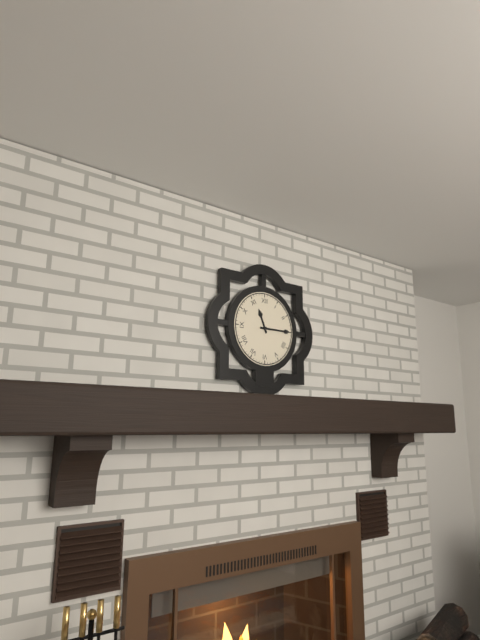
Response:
11.15
